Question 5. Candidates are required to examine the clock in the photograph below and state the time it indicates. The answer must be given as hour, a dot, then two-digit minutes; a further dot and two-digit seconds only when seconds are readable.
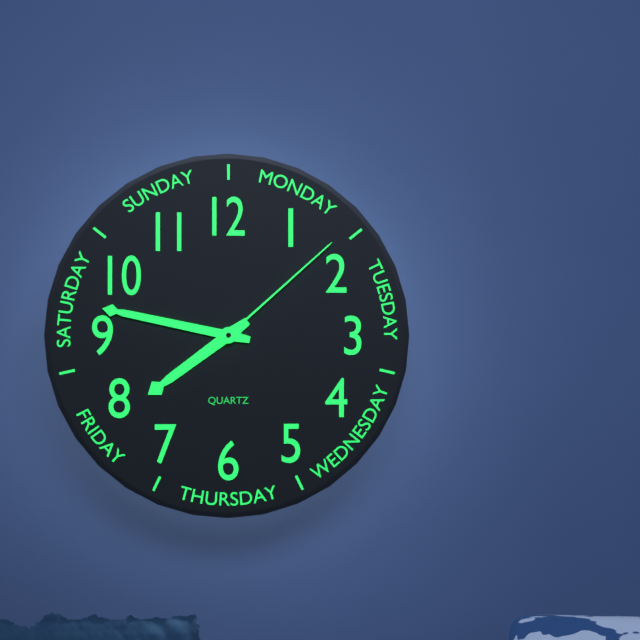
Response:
7.47.08
